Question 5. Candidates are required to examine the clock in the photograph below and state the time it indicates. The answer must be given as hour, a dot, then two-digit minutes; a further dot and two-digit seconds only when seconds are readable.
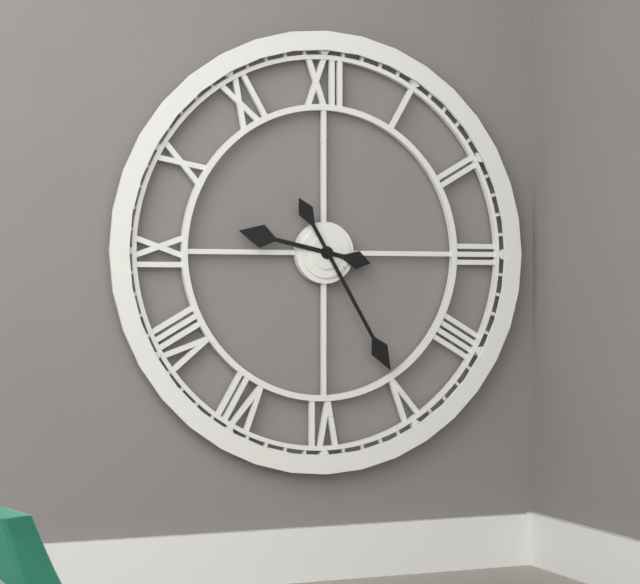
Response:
9.25
